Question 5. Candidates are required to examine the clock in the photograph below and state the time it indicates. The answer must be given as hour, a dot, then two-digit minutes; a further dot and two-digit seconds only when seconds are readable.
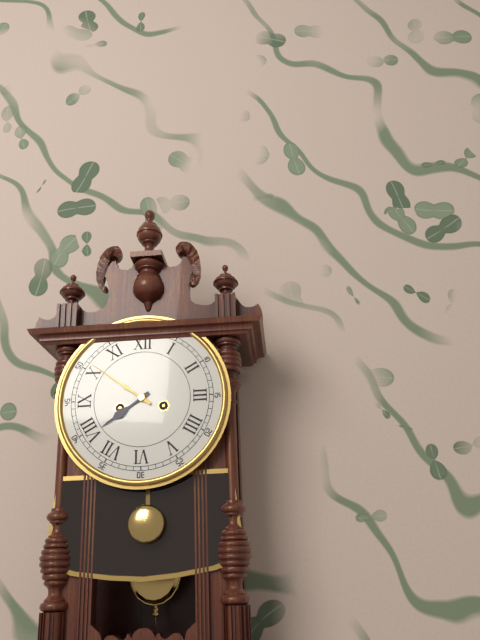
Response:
7.51
